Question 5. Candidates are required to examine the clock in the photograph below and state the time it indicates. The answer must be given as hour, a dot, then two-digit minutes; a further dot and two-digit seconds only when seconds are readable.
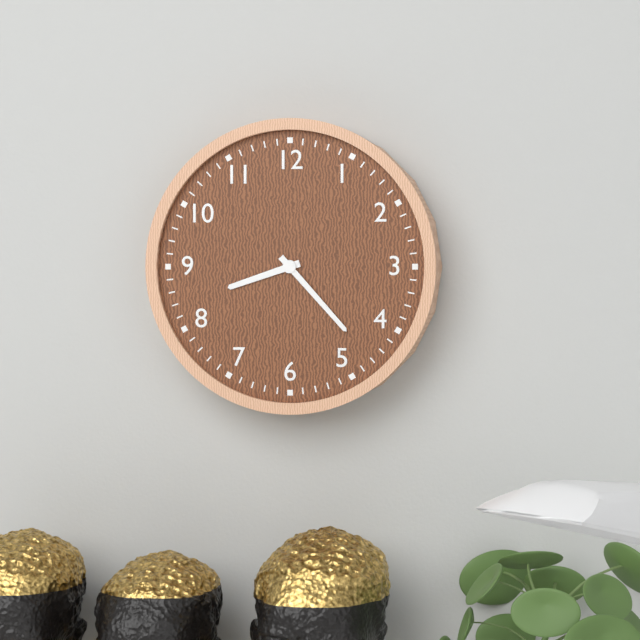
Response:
8.23
